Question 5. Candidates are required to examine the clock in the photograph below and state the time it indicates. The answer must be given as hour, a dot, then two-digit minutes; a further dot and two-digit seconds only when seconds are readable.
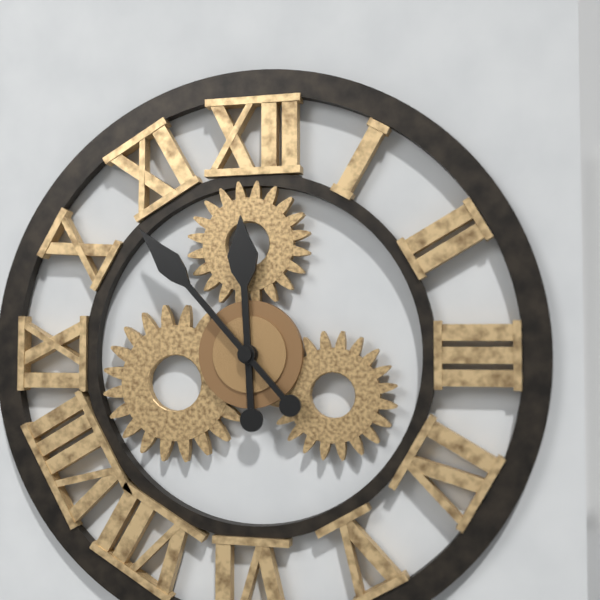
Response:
11.53
